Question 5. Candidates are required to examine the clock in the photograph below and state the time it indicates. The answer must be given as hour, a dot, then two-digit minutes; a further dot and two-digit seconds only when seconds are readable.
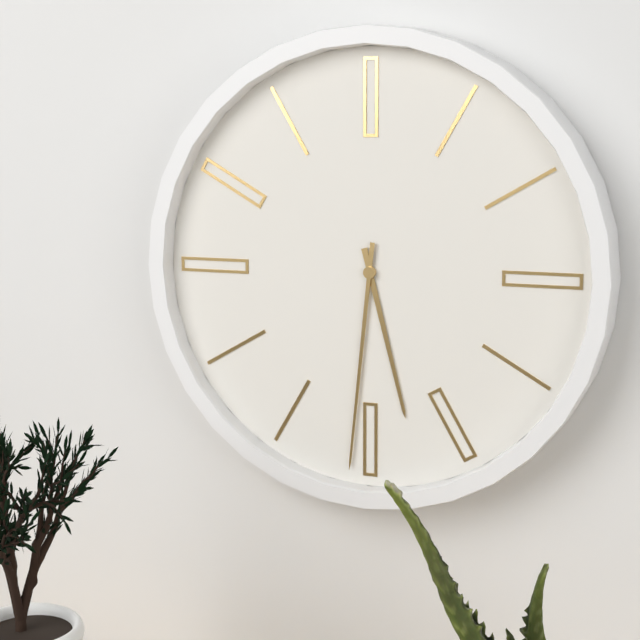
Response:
5.31
